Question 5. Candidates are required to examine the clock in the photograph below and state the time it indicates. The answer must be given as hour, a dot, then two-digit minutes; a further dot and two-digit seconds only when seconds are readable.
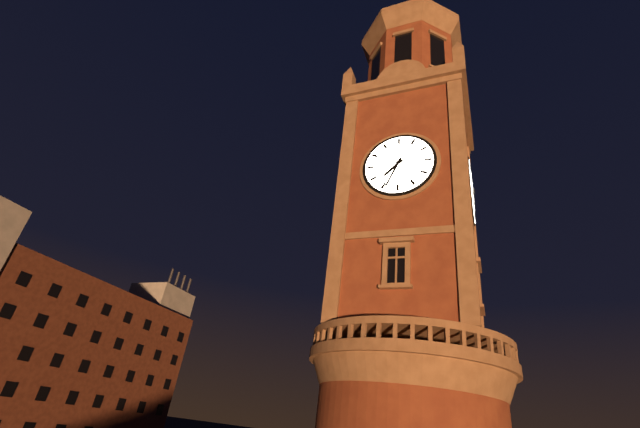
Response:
7.34
